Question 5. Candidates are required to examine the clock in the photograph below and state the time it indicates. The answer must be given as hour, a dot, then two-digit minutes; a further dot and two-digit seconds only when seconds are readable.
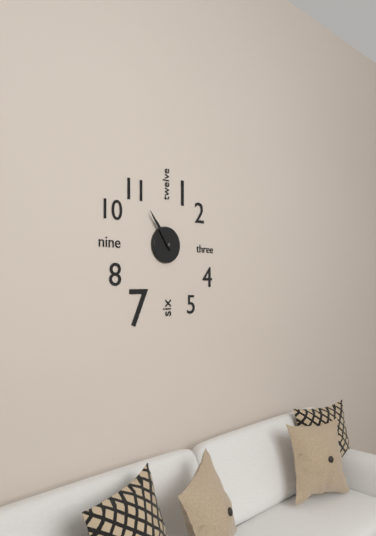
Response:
10.54
